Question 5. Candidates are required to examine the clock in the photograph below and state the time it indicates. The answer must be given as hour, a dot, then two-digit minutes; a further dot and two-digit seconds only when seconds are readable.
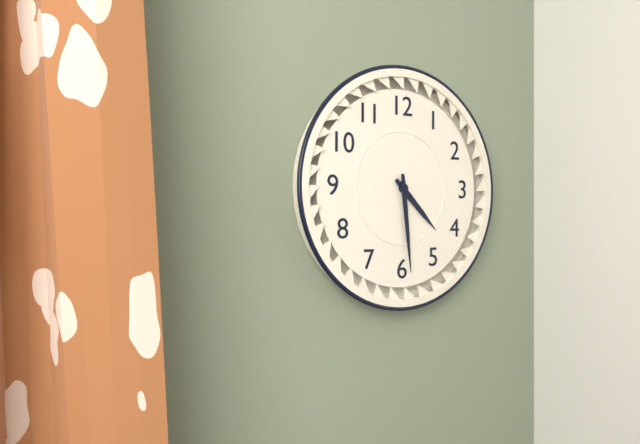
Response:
4.29
